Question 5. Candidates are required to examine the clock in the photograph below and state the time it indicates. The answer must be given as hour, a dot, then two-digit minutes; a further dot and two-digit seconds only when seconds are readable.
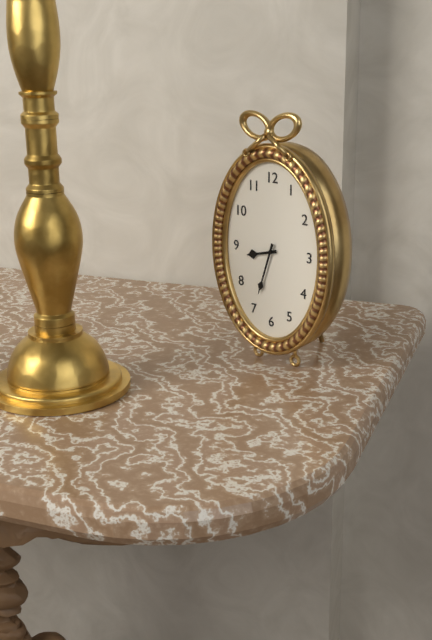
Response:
8.33
